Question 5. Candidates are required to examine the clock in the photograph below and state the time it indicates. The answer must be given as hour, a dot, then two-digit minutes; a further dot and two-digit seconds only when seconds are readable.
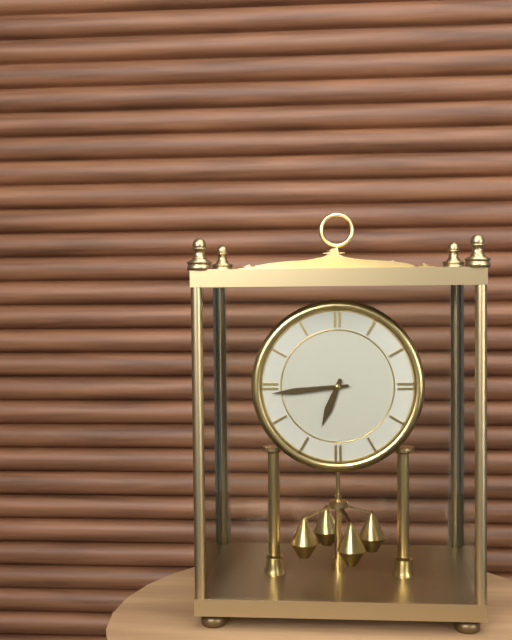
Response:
6.44
